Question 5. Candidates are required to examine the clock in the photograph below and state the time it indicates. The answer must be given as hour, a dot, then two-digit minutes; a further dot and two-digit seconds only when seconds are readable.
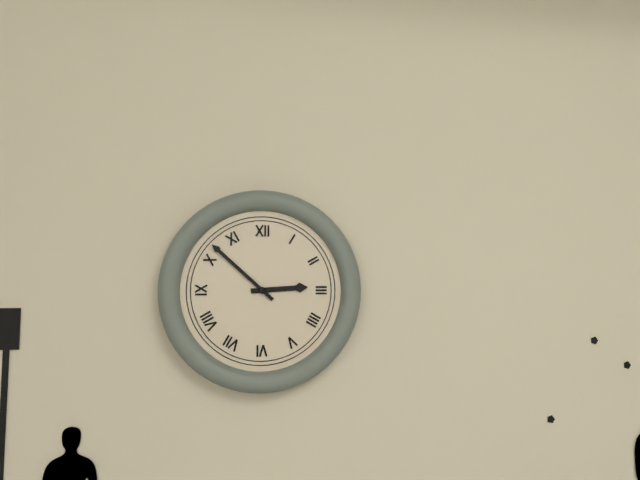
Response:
2.52
